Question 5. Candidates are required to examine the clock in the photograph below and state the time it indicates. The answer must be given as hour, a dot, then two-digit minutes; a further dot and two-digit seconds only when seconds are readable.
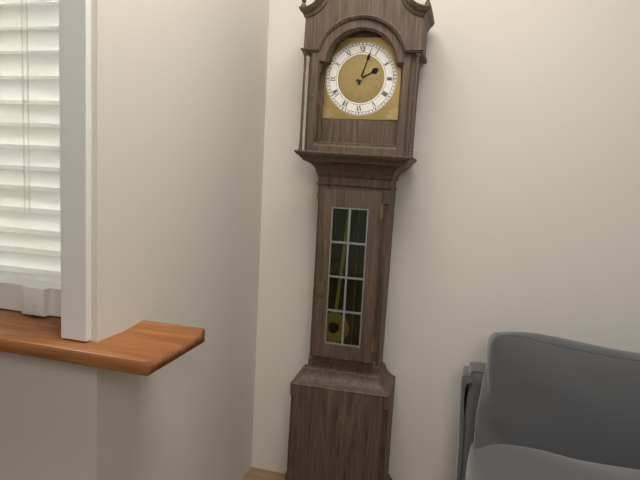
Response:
2.03
